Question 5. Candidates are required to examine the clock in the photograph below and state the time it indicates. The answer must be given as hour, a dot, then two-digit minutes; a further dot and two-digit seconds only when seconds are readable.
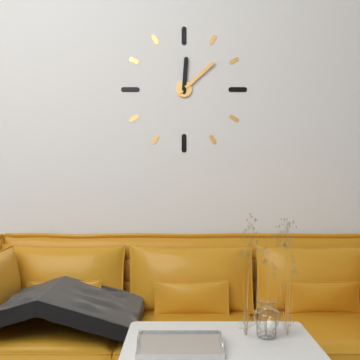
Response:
12.08
